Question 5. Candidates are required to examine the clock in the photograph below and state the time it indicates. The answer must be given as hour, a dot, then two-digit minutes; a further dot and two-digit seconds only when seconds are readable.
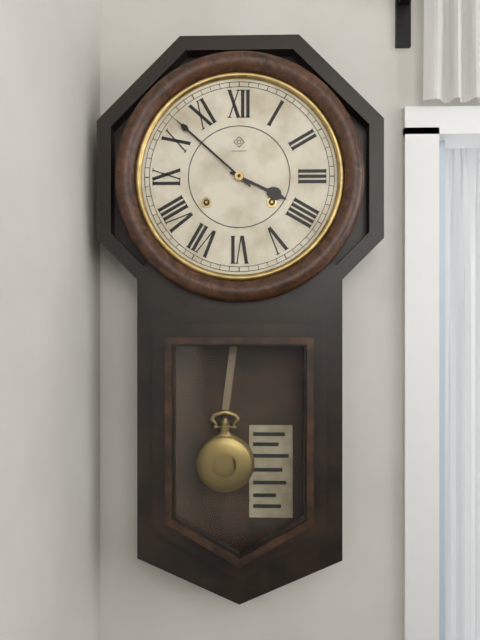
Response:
3.52
